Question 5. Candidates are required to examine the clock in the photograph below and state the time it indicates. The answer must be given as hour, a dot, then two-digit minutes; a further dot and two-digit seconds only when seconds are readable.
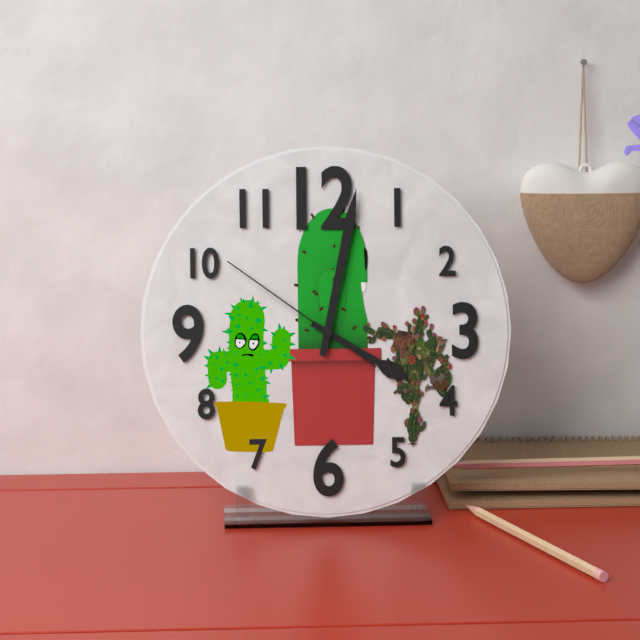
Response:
4.02.51
